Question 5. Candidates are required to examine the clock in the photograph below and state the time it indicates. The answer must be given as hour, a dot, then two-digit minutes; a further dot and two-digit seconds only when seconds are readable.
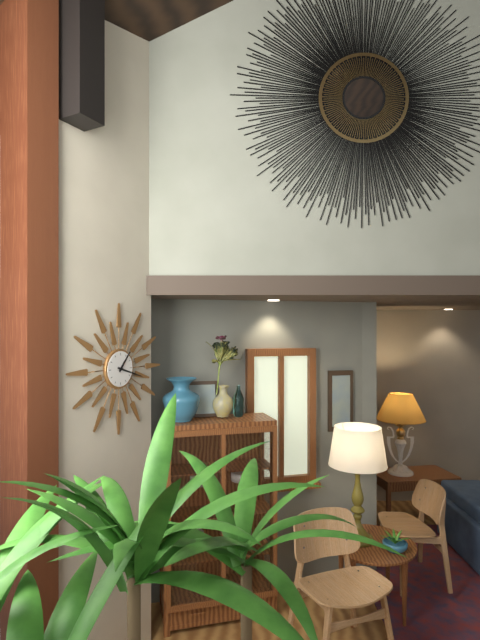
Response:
1.18
